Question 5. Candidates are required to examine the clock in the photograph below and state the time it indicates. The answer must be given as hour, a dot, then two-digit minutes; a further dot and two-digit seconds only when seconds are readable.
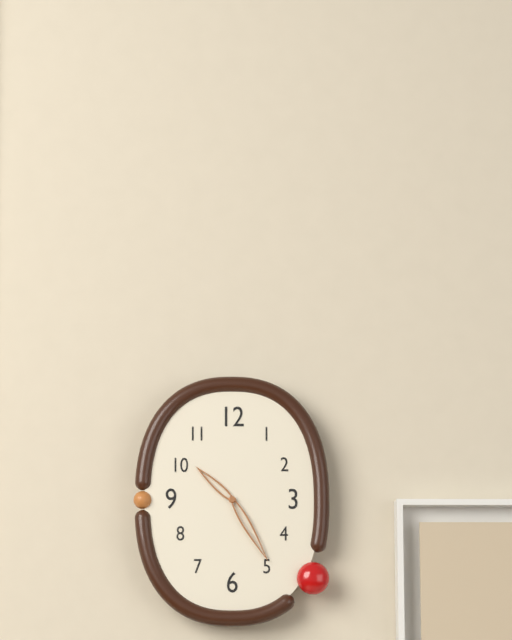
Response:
10.25
